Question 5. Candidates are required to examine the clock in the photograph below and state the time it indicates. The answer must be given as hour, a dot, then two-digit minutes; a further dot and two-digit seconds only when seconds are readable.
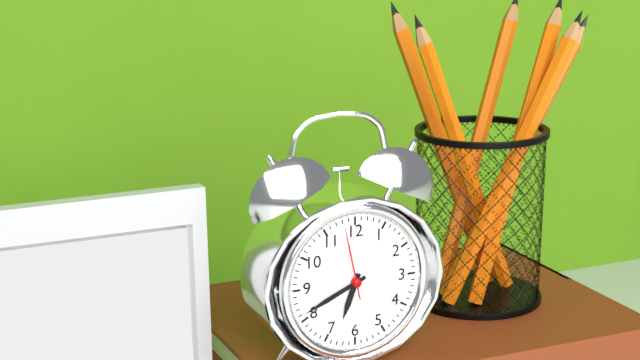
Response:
6.41.58
